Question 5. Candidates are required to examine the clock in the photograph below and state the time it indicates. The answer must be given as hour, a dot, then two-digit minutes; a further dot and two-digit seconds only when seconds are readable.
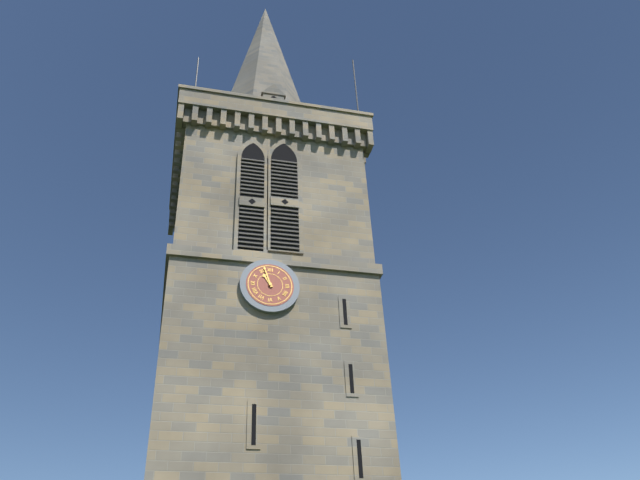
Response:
10.57
